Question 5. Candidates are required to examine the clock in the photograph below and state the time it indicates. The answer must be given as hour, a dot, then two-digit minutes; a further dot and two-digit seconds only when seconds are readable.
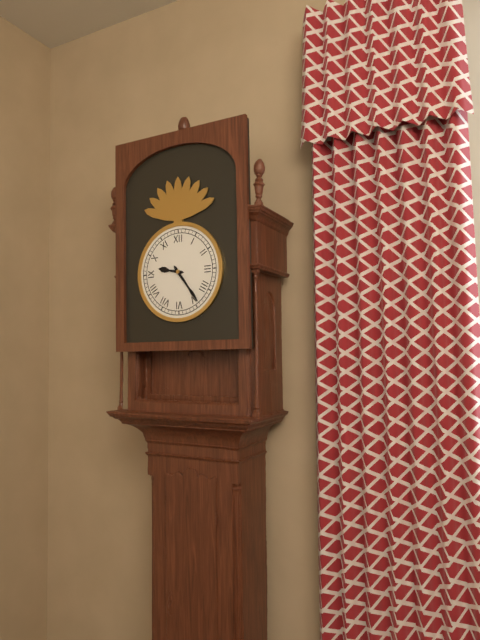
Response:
9.24
